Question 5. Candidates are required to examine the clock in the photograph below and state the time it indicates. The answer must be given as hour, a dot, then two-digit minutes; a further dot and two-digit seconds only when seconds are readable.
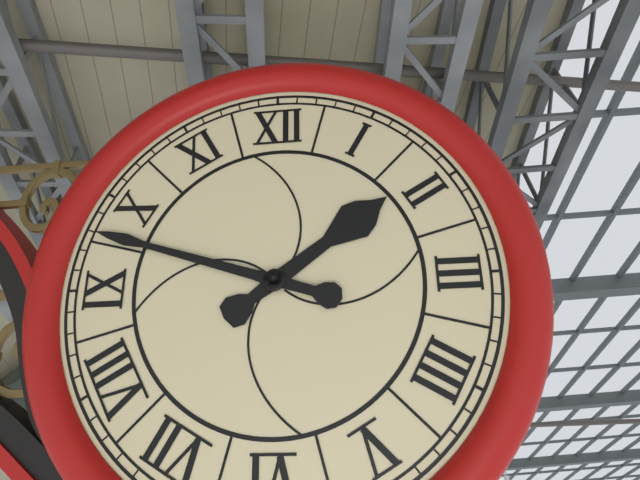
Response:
1.48
